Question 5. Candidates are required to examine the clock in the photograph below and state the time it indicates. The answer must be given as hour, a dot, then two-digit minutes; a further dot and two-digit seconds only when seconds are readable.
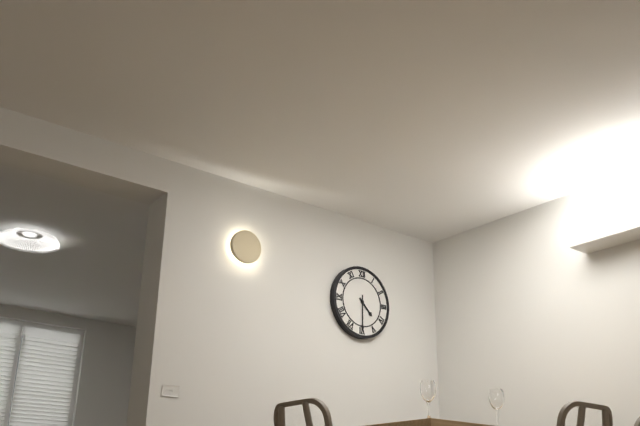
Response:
4.30
